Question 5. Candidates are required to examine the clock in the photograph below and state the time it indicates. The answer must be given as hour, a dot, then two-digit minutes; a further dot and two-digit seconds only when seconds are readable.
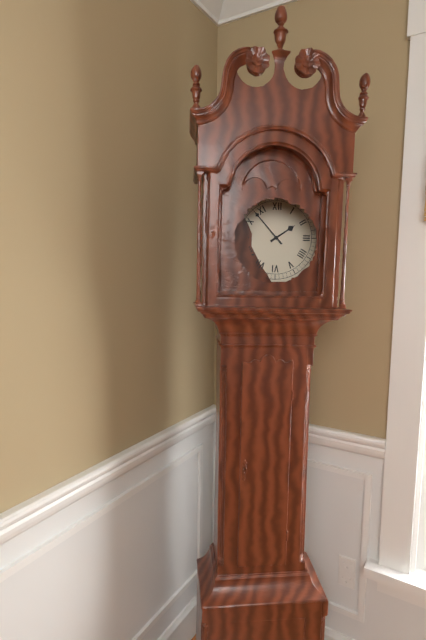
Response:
1.53
